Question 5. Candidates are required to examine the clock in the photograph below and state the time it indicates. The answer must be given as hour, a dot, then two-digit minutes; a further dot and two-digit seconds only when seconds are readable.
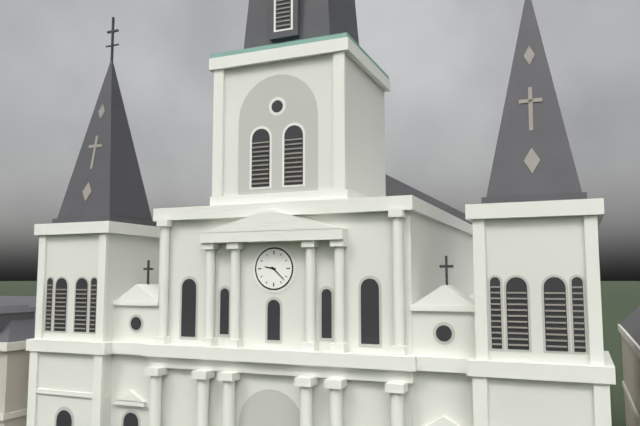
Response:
9.22
